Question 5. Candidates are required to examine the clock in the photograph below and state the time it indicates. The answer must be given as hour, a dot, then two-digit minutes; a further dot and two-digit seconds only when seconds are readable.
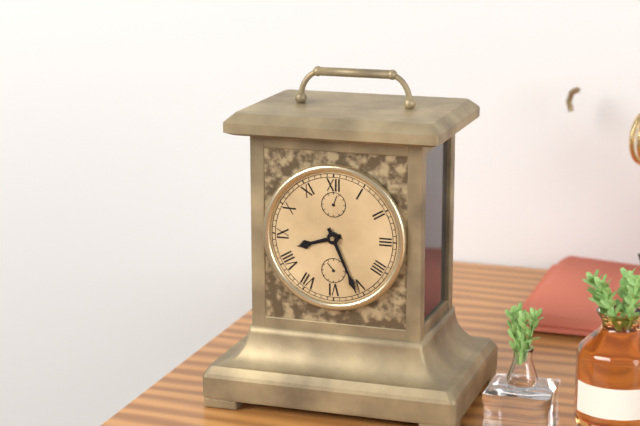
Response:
8.26
